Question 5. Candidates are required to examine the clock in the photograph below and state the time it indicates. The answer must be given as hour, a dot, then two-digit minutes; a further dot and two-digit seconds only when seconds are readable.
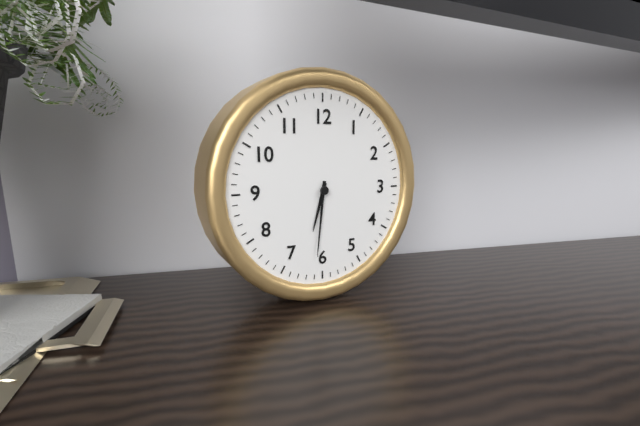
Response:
6.31
